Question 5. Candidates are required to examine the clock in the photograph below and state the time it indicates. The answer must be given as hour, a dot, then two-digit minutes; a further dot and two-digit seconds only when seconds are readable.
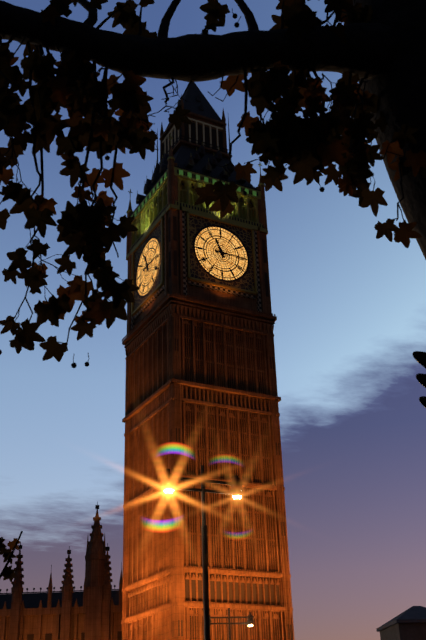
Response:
11.15
